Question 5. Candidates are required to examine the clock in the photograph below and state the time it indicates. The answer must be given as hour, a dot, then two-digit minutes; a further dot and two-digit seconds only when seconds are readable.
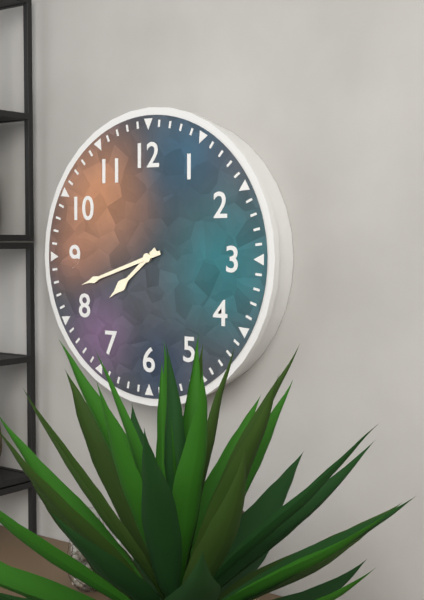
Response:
7.42
